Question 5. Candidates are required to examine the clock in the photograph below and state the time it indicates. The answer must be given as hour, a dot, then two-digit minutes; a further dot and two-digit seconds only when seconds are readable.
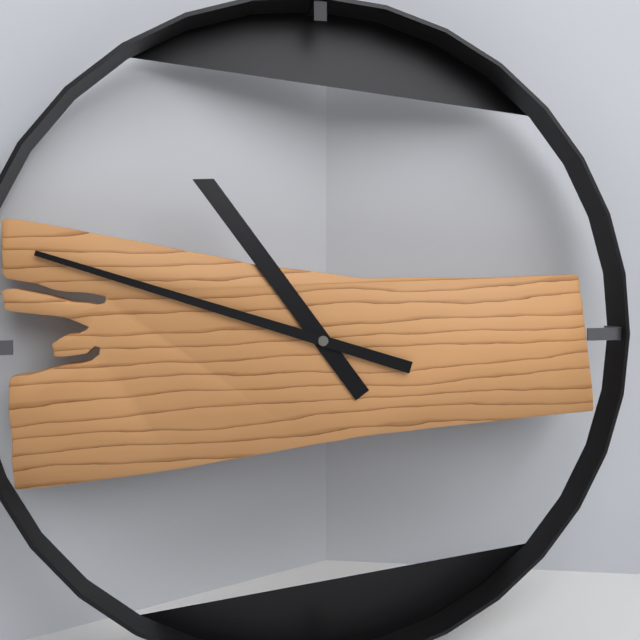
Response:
10.48
